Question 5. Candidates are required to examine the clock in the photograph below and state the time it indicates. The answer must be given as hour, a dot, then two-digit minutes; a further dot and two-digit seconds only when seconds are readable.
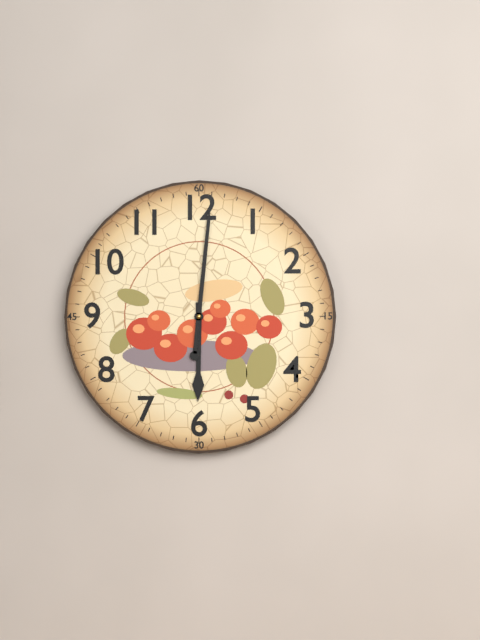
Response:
6.01
